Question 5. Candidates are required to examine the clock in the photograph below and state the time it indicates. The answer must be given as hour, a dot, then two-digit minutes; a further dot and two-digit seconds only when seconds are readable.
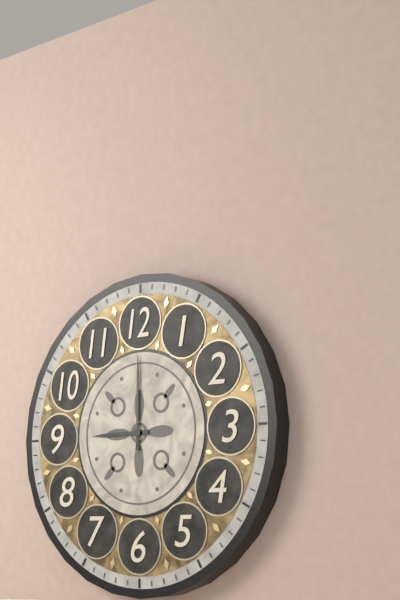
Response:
9.00
